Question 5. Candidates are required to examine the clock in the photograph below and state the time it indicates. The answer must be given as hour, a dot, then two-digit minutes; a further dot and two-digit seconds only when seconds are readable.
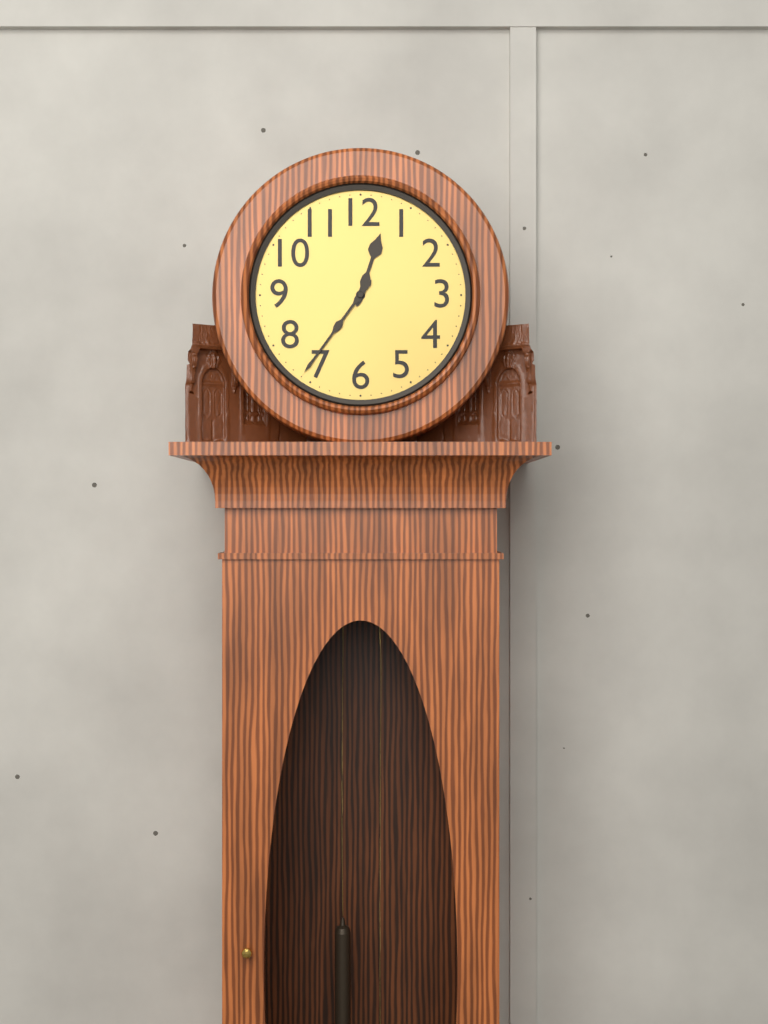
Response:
12.36
